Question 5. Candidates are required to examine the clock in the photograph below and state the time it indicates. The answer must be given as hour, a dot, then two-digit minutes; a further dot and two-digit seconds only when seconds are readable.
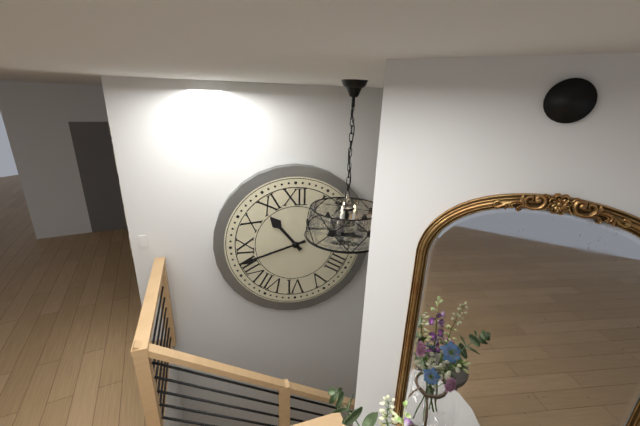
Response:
10.42
